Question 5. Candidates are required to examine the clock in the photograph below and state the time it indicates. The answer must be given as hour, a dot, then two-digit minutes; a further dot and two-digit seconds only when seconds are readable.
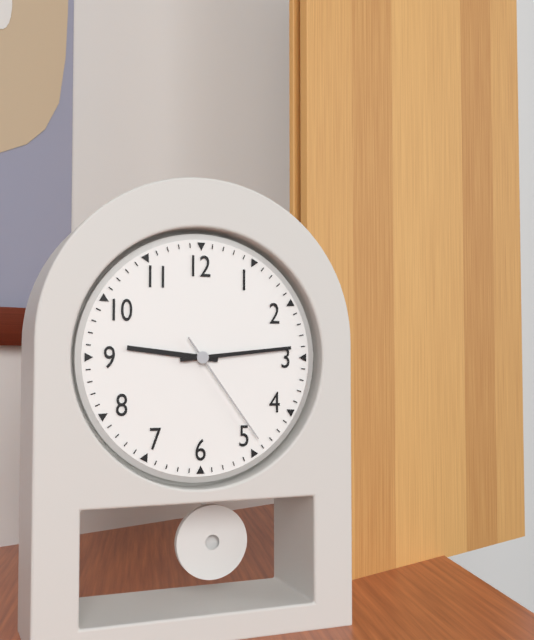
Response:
9.14.24
